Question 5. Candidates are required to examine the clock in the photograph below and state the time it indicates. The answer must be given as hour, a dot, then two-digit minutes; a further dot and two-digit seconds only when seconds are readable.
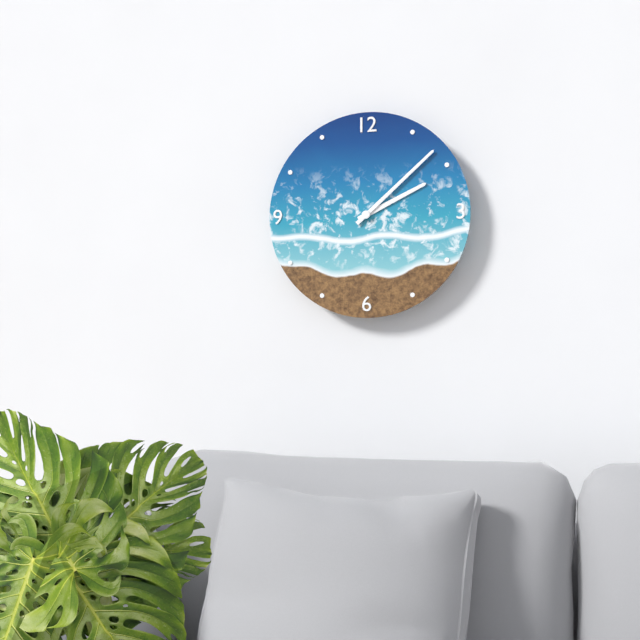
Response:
2.08
